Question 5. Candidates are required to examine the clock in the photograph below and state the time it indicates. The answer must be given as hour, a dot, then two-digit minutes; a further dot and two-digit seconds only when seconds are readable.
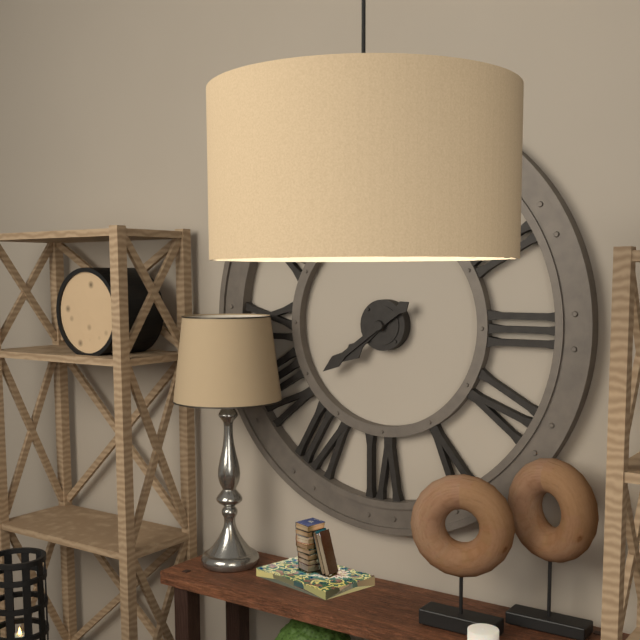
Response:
7.39
